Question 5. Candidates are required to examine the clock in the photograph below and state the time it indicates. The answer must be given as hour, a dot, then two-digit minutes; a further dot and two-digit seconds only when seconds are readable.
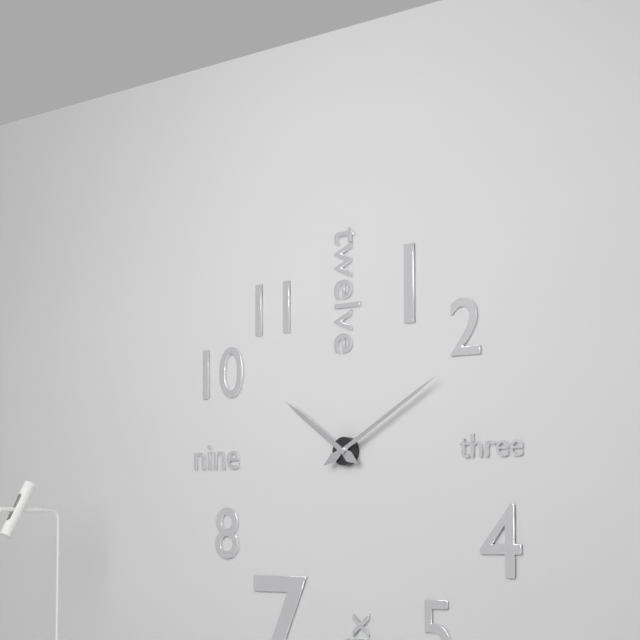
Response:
10.10
